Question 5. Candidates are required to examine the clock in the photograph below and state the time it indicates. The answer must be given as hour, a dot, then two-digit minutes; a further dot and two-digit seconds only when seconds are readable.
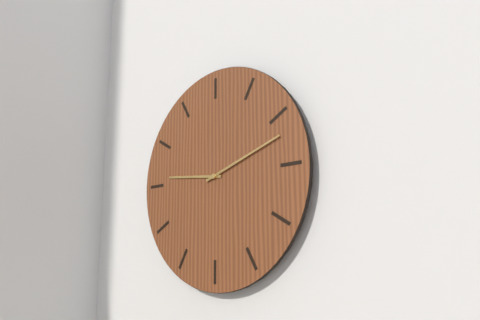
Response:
9.12
